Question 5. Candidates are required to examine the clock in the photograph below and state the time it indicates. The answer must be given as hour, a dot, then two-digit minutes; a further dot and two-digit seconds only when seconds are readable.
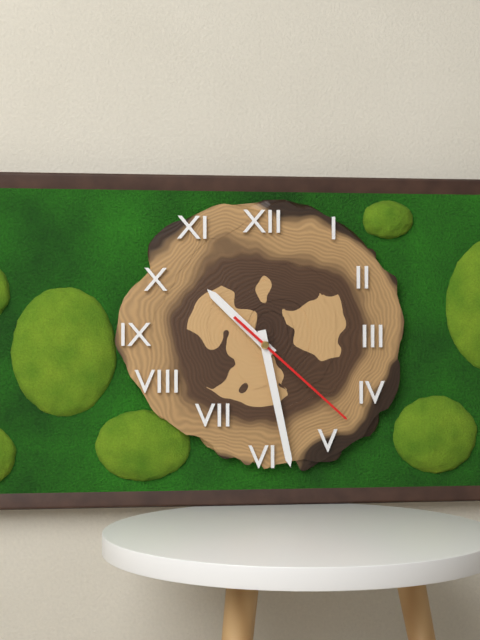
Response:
10.28.22
